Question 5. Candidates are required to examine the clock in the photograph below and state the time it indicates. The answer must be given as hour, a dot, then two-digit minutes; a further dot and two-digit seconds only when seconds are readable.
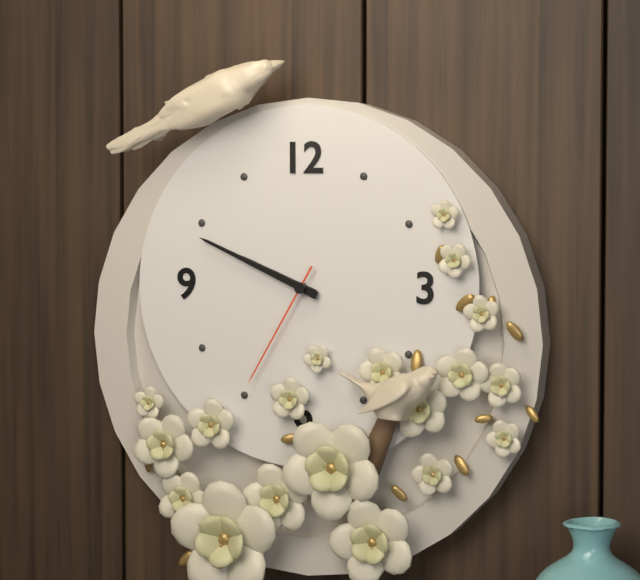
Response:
9.49.35
